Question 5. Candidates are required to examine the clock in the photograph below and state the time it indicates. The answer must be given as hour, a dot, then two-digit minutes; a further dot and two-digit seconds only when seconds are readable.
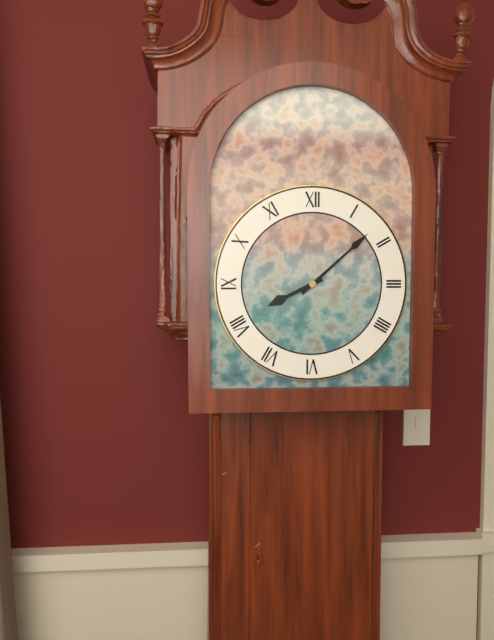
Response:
8.08
